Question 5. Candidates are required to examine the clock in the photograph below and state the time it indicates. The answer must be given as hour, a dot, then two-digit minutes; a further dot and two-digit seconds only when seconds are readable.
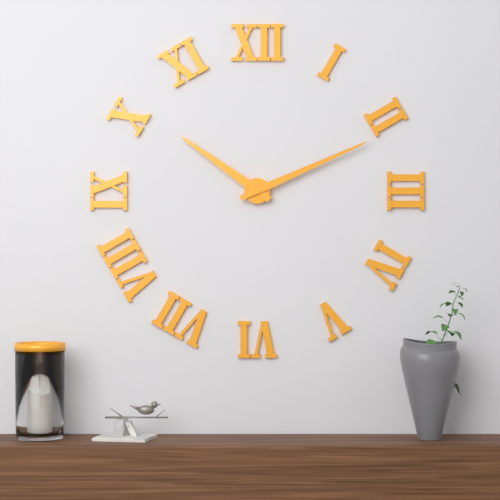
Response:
10.11
